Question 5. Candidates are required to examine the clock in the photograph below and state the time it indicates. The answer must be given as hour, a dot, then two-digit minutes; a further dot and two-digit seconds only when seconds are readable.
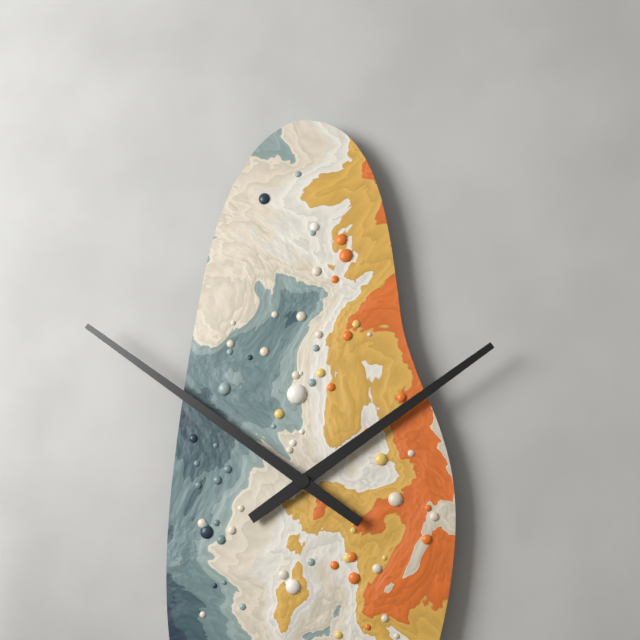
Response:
1.51
